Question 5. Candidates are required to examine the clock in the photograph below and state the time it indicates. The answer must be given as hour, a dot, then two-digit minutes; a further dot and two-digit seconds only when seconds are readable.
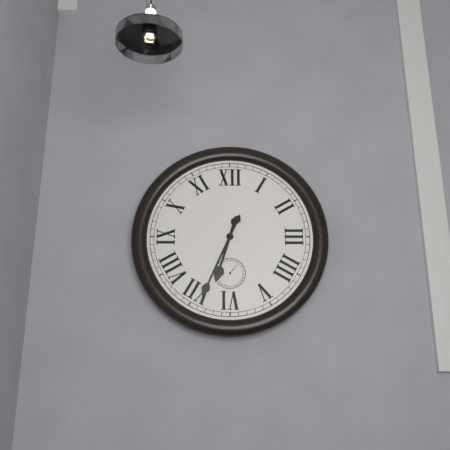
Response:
6.34
